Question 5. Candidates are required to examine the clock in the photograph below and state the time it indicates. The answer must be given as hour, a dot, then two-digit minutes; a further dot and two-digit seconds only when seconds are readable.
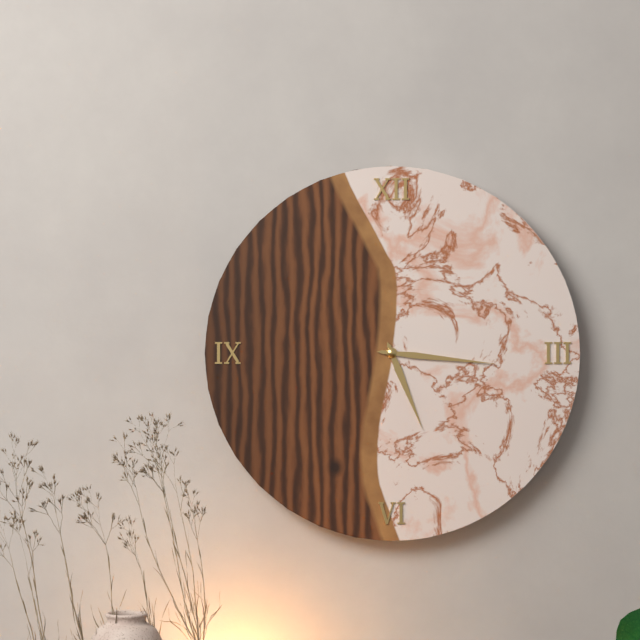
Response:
5.16
